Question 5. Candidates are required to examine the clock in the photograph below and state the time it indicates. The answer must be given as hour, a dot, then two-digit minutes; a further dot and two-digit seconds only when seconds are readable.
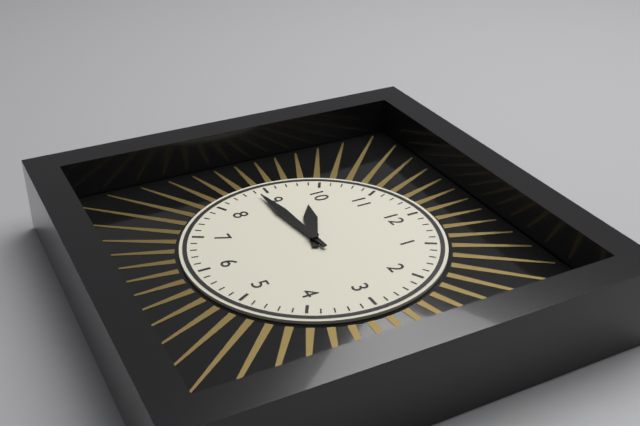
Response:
9.44
